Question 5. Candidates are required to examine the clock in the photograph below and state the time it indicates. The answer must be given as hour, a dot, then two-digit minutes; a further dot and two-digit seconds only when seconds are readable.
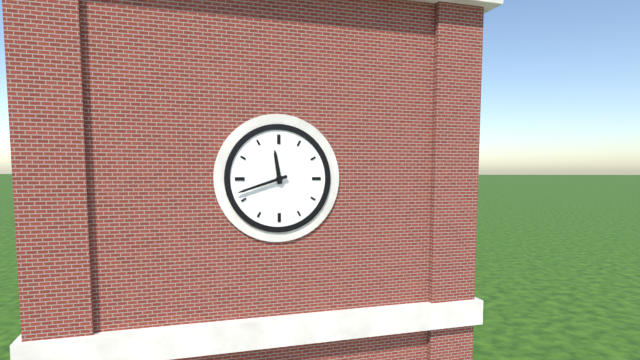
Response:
11.42
